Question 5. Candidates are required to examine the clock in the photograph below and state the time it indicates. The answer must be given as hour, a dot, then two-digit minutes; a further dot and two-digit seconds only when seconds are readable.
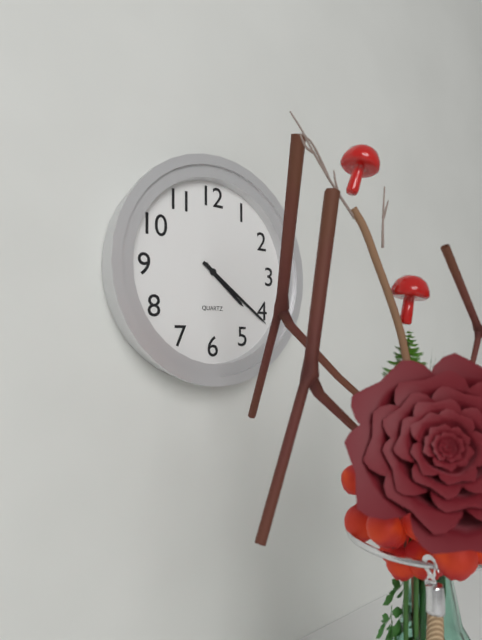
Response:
4.21
